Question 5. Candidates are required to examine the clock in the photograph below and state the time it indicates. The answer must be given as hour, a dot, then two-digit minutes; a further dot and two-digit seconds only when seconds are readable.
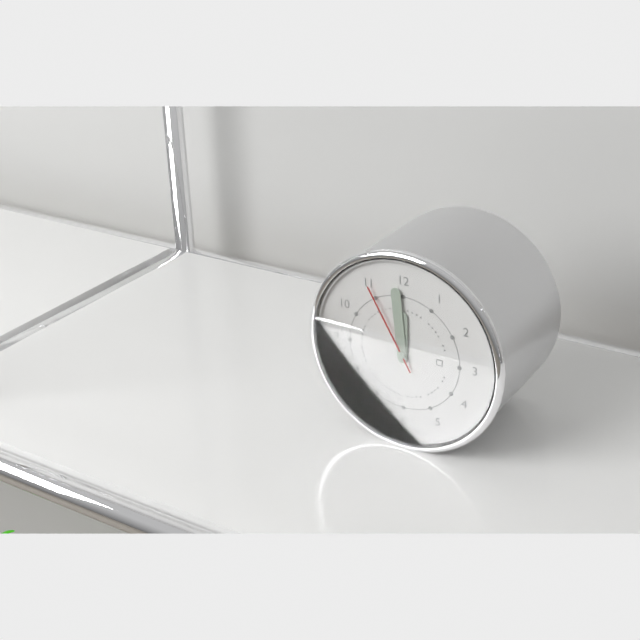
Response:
11.59.55
